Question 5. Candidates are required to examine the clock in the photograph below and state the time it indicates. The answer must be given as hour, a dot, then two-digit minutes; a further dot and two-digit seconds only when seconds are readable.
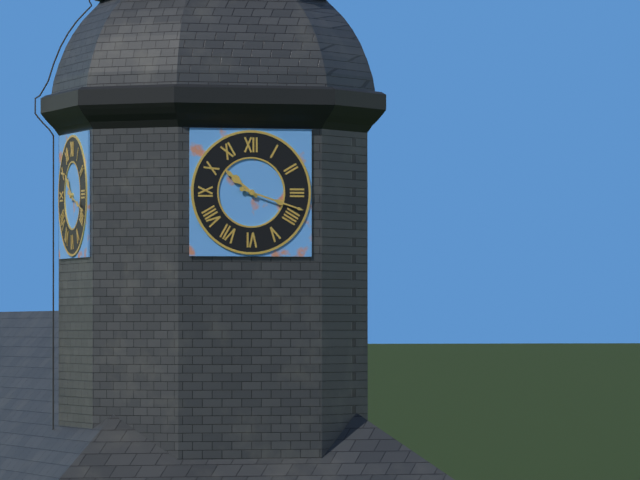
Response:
10.18
